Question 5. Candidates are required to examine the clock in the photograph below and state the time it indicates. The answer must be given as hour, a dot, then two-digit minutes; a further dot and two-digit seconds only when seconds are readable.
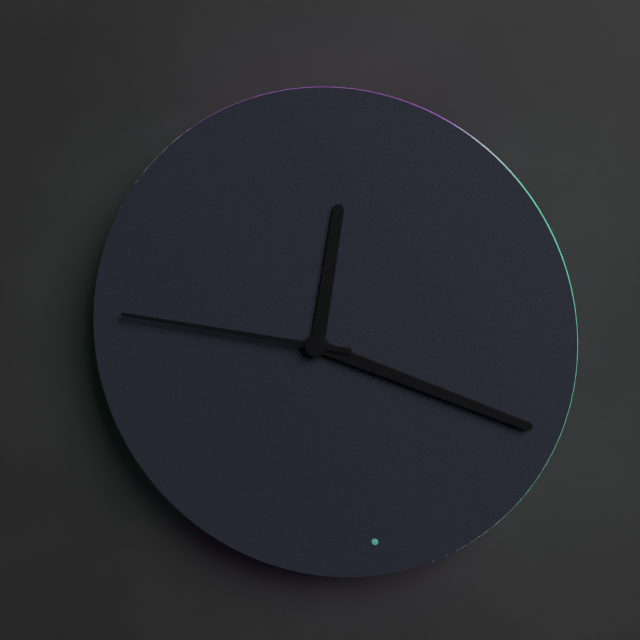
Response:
12.18.46
